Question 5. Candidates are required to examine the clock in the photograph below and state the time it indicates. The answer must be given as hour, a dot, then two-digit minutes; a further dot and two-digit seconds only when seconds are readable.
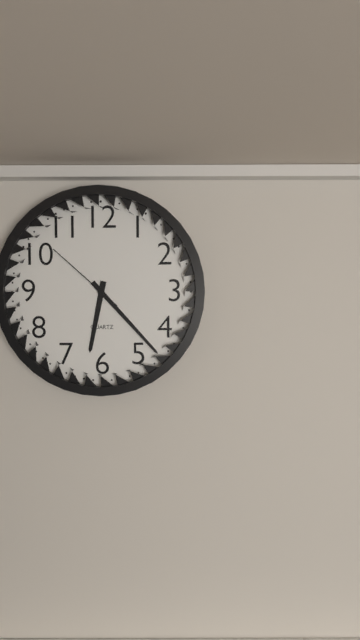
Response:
6.23.52
